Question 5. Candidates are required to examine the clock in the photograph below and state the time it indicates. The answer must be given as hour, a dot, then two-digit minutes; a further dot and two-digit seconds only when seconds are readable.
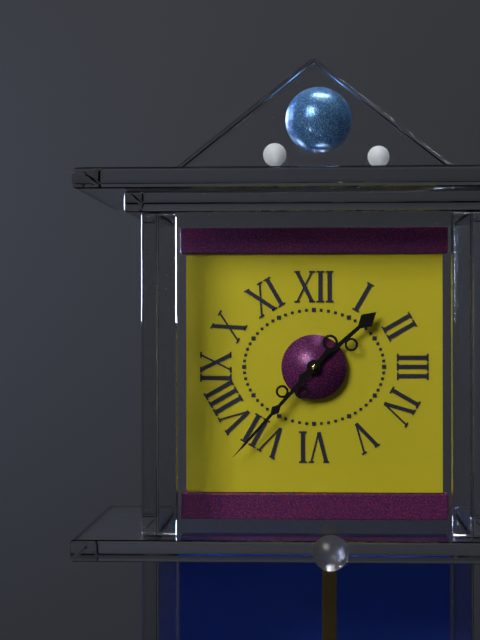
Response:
1.37
